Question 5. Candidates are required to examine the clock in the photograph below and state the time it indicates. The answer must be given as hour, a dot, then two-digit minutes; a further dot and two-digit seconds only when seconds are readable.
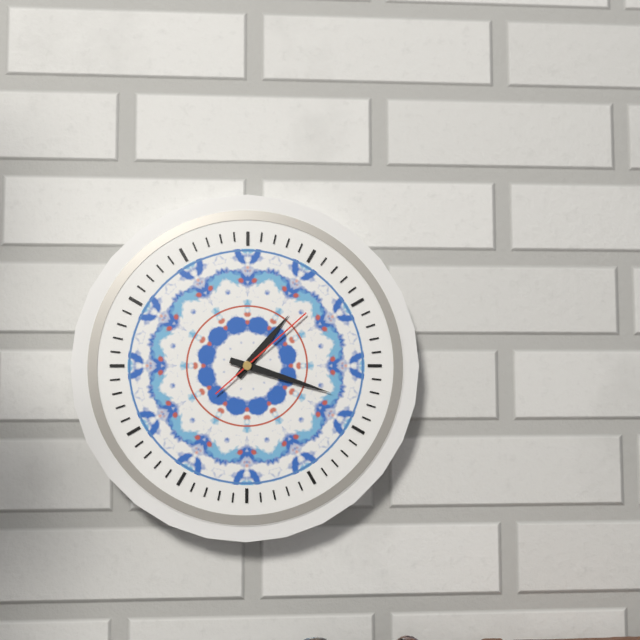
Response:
1.18.08
